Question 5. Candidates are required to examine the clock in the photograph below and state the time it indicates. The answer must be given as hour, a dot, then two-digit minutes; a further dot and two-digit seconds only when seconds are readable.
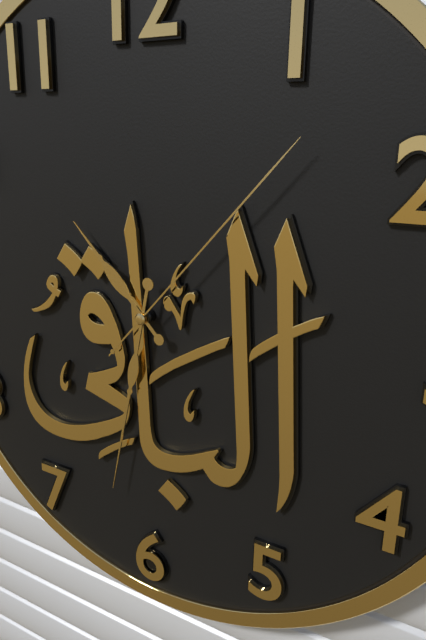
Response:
10.32.07
